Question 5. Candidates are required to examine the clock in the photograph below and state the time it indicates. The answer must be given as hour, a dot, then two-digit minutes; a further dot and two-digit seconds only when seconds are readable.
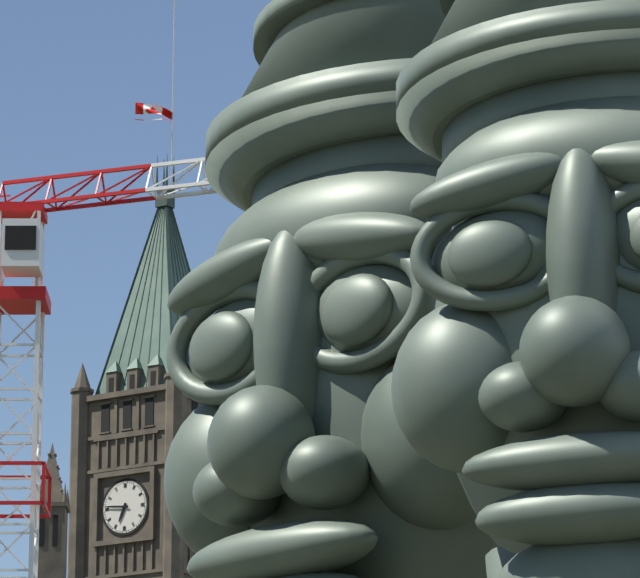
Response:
6.46
